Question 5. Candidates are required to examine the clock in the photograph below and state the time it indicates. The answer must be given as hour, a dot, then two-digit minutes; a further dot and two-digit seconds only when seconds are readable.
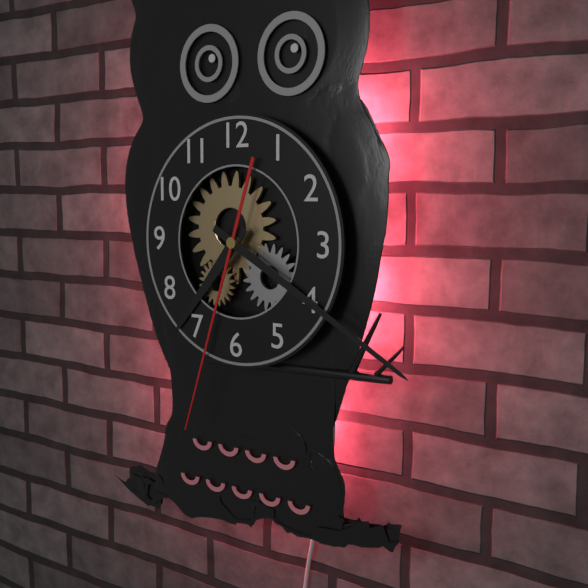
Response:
7.20.33
